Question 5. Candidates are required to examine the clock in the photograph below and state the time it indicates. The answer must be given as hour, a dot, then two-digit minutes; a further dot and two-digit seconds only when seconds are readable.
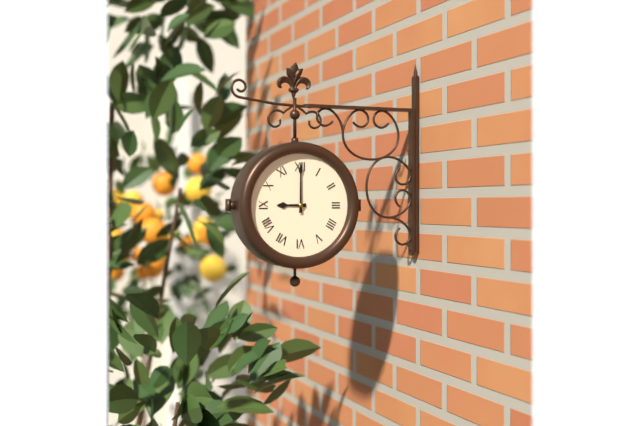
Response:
9.00
